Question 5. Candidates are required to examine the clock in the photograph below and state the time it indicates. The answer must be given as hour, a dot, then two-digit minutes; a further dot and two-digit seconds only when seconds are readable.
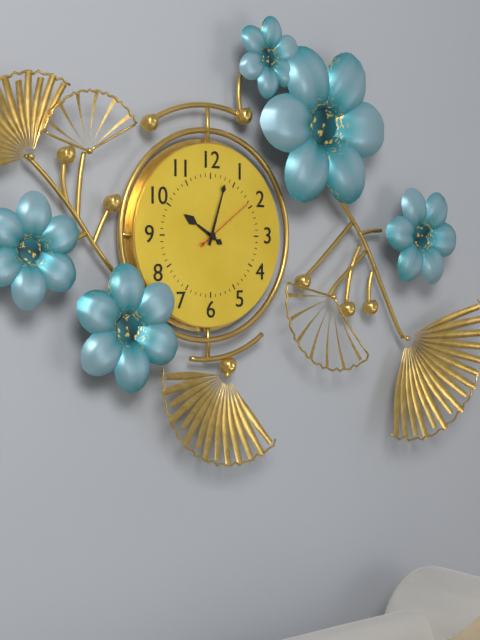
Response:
10.03.09
